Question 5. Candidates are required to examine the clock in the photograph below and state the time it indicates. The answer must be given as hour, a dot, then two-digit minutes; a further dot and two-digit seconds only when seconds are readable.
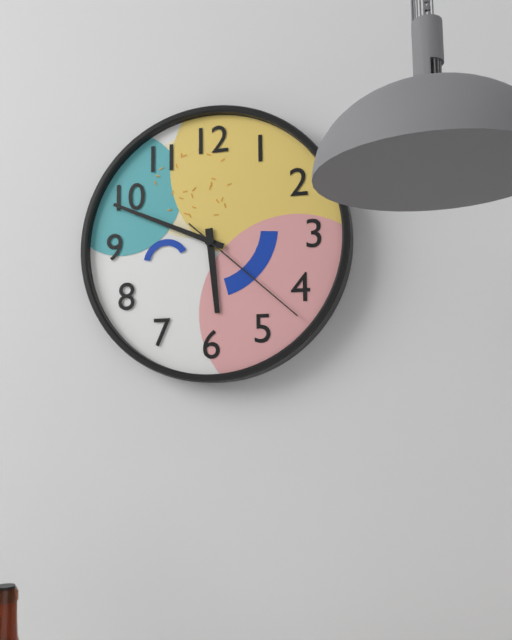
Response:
5.49.22
